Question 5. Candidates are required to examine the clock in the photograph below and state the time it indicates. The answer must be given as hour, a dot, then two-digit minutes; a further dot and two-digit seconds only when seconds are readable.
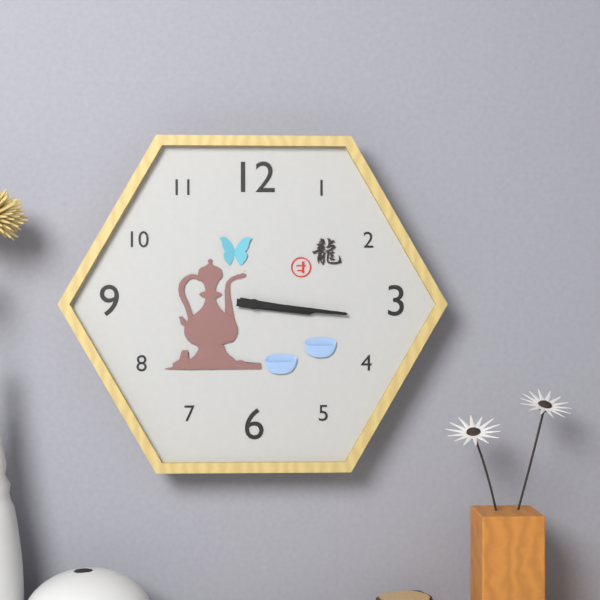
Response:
3.16
